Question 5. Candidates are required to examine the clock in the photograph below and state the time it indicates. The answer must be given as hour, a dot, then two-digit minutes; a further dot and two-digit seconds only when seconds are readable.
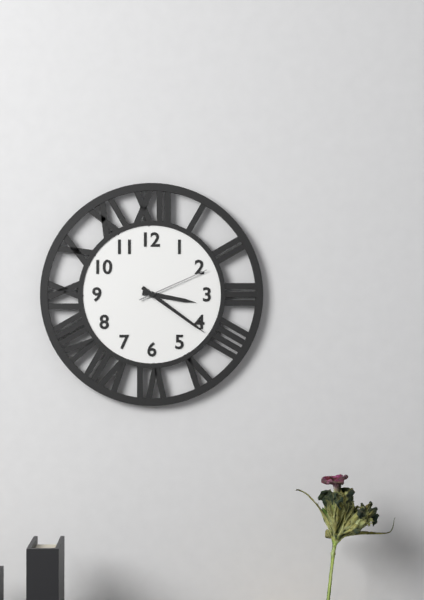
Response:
3.21.11
